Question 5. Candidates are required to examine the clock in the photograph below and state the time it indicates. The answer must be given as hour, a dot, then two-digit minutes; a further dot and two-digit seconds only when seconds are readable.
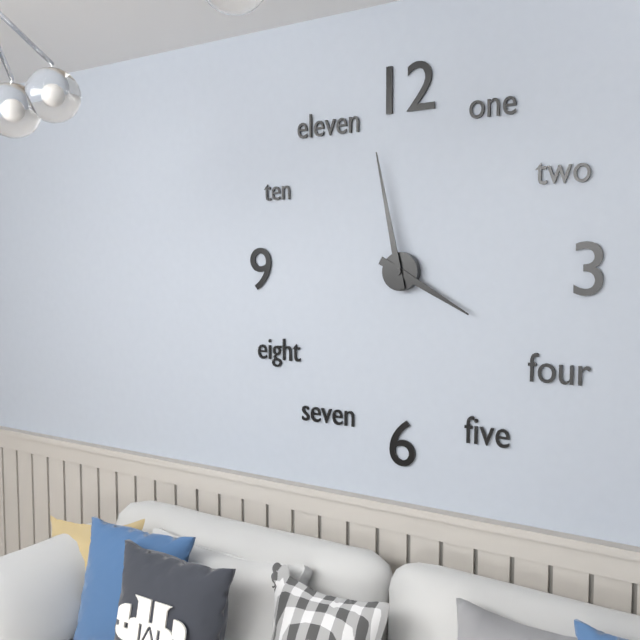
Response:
3.58
